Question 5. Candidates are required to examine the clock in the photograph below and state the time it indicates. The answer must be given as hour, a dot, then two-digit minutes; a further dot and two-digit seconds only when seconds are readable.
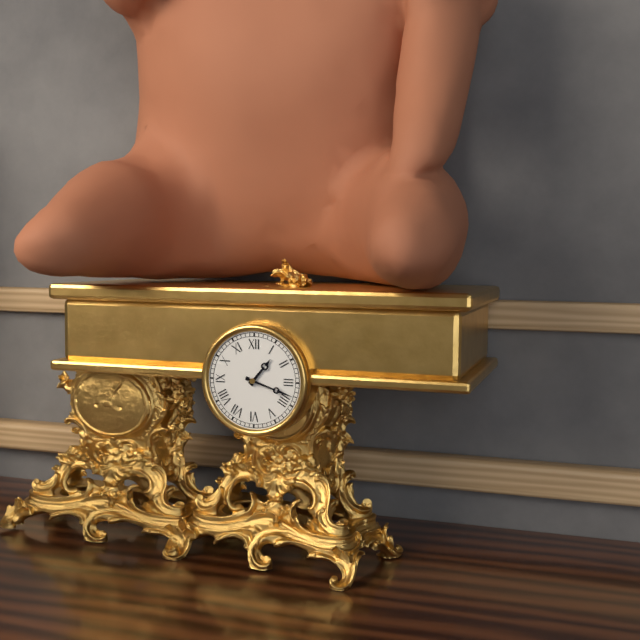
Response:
1.18
